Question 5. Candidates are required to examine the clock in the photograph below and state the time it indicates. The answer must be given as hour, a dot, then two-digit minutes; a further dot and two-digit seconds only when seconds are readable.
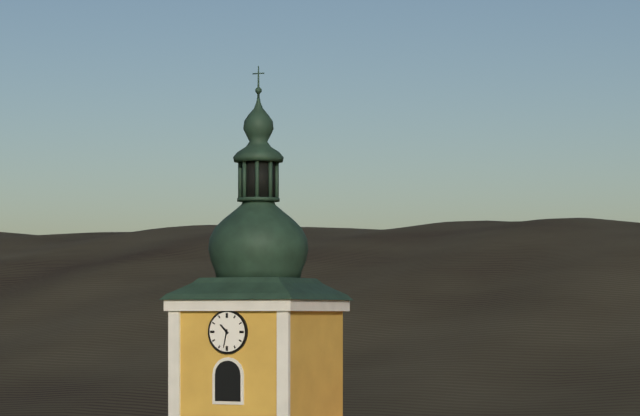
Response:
10.32
